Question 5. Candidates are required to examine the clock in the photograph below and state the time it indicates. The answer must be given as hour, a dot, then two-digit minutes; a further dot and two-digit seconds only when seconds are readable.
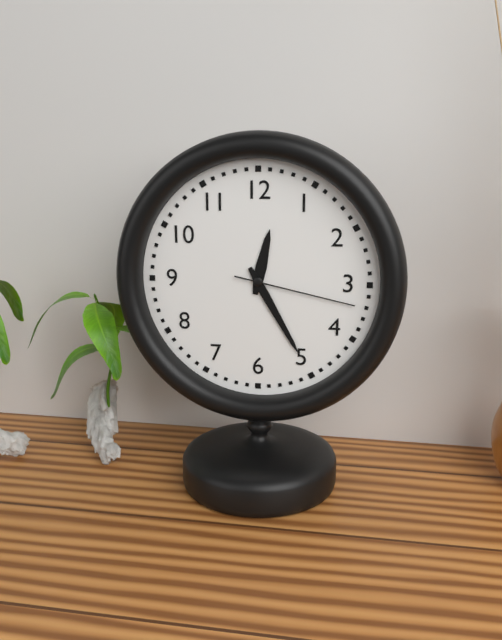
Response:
12.25.17
